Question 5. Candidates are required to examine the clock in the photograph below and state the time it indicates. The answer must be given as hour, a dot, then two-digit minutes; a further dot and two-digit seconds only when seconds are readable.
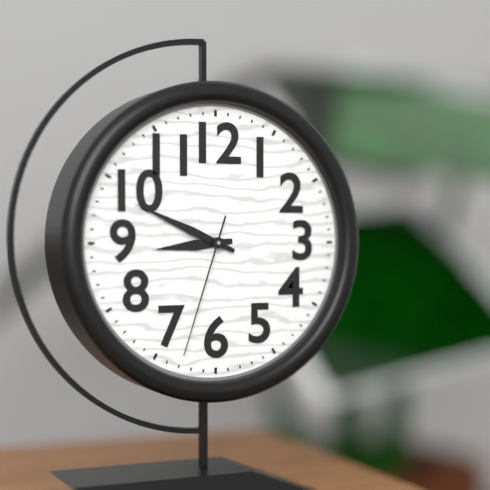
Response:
8.49.33
